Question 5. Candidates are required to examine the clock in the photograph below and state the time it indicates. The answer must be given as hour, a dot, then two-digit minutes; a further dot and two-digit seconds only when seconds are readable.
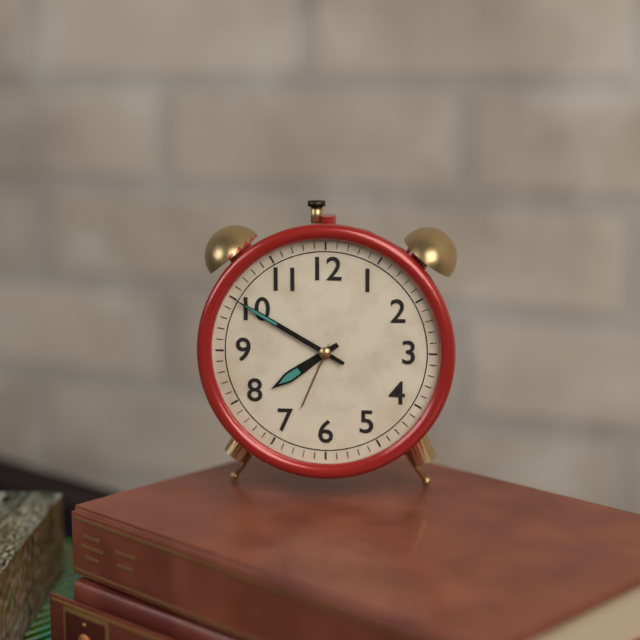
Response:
7.50
